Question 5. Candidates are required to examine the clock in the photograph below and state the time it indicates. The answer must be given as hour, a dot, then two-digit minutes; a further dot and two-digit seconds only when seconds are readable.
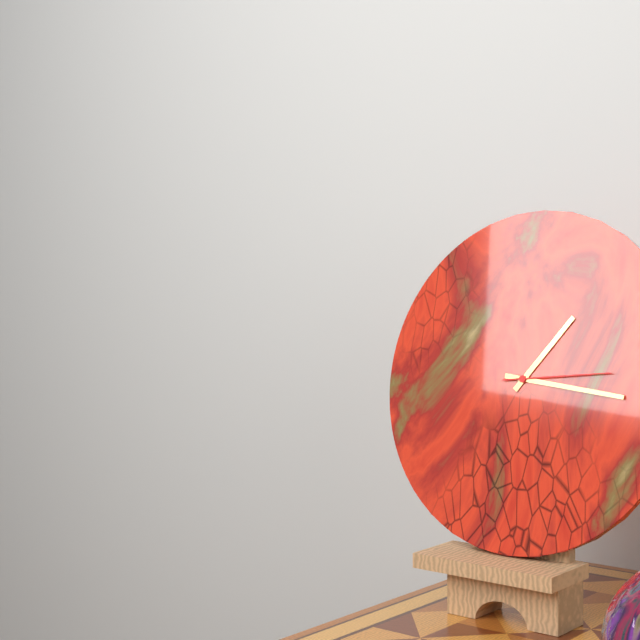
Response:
1.16.14
